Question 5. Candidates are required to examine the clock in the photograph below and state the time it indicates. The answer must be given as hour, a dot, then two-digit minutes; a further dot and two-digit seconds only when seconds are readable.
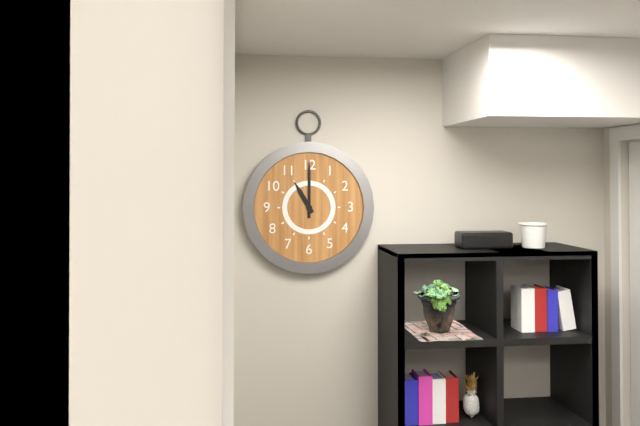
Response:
11.00
